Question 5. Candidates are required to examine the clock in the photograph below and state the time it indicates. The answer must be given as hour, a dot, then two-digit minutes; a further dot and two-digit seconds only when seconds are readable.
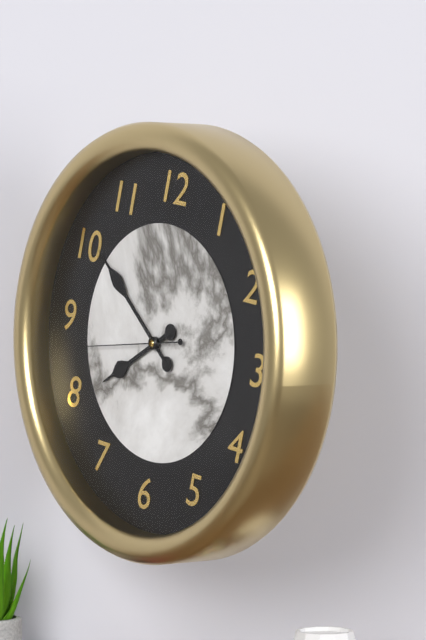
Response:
7.51.43
